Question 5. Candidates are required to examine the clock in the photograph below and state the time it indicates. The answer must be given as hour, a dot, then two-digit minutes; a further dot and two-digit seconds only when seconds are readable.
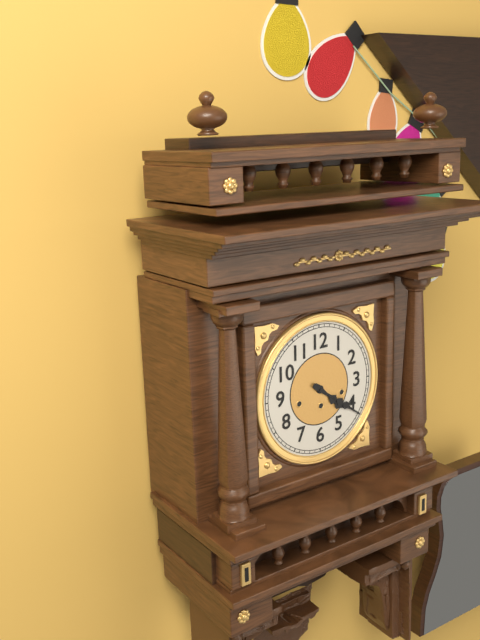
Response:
4.21
